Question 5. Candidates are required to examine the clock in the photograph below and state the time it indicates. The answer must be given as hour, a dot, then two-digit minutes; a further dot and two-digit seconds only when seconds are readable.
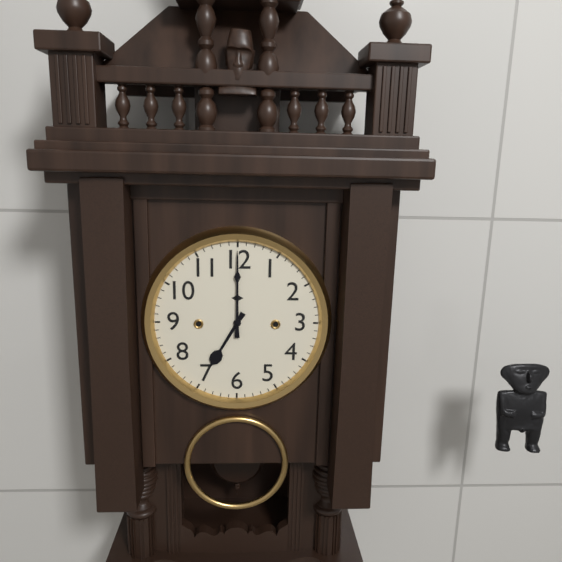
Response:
7.00
